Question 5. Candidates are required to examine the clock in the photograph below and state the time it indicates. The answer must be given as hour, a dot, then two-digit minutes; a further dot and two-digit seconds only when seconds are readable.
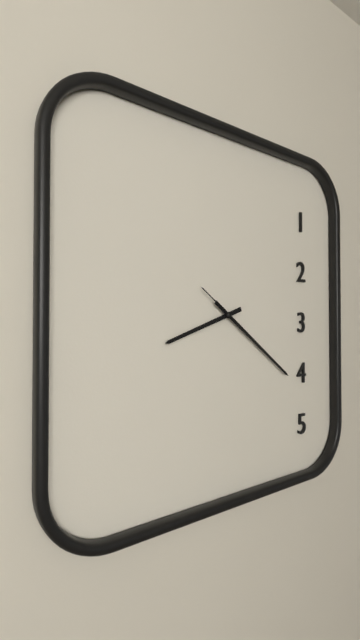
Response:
8.21
